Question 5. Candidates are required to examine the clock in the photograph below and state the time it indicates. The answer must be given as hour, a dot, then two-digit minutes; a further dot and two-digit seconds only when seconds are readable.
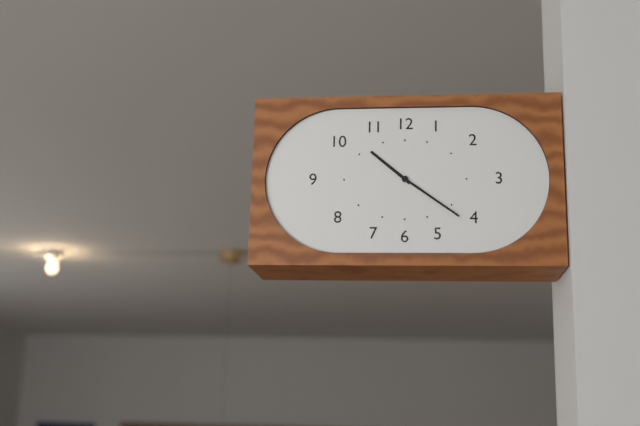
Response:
10.21
